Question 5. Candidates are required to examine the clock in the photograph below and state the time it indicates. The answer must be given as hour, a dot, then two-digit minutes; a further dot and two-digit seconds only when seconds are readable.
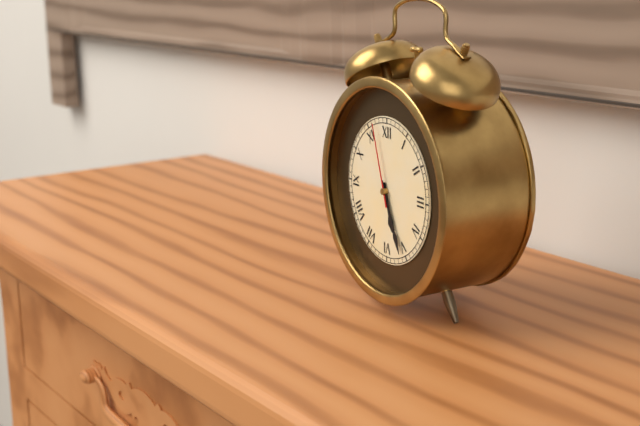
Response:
5.26.57
